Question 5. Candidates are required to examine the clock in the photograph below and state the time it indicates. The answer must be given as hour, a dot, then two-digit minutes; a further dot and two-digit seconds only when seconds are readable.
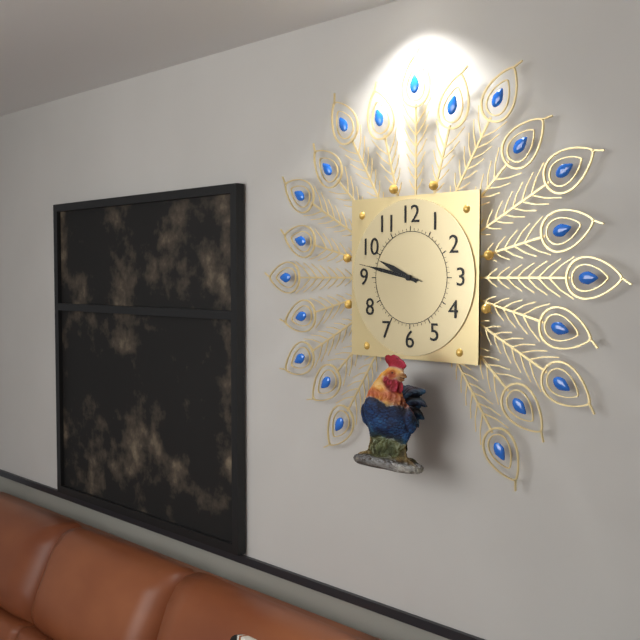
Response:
9.47.47
